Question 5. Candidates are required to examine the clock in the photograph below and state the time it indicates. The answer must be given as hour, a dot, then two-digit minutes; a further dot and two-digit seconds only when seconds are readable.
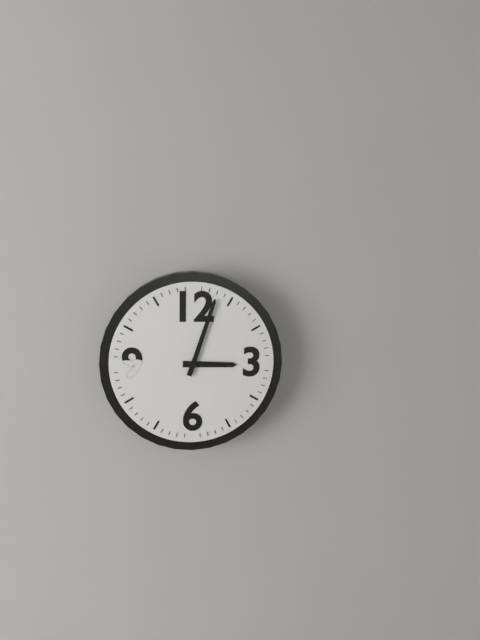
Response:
3.03
